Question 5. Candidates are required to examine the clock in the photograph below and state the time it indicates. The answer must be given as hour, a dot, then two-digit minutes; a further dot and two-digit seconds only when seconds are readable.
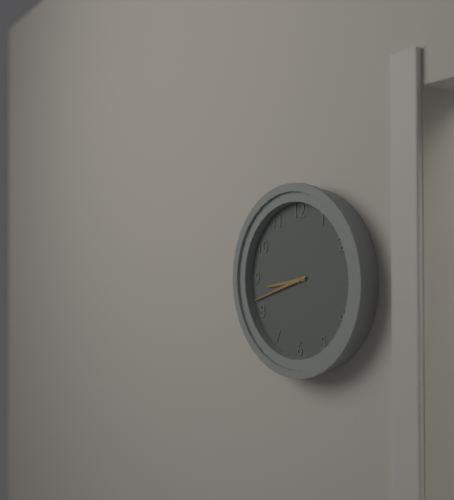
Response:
8.42
